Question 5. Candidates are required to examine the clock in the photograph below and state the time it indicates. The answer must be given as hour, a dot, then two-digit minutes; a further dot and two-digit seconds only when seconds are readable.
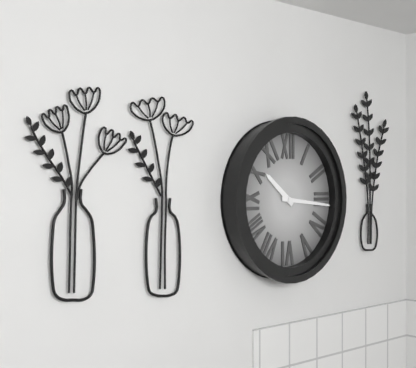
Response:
10.16
